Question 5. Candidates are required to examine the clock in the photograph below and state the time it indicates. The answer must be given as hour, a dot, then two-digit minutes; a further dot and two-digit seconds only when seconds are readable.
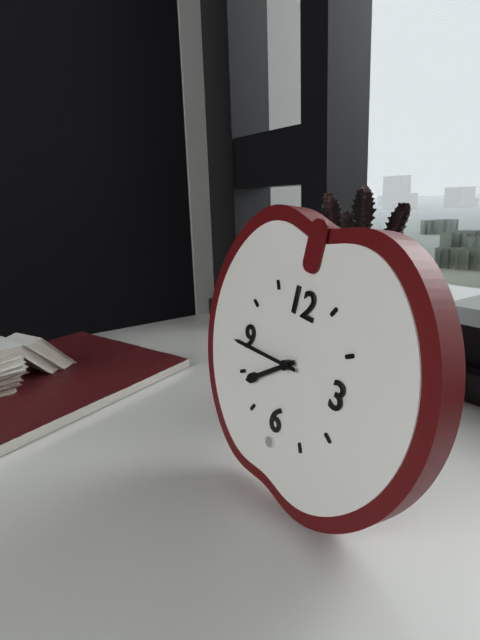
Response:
7.44
